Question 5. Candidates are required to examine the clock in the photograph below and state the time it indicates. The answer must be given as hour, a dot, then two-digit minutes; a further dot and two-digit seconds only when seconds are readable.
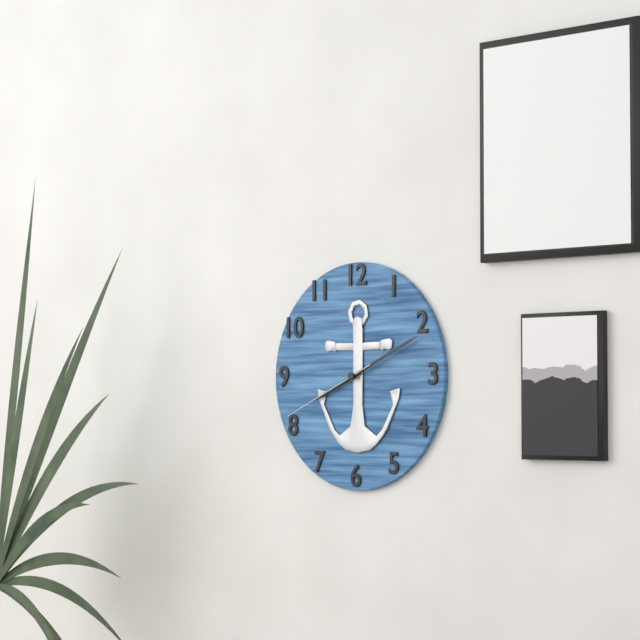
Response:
8.11.41
